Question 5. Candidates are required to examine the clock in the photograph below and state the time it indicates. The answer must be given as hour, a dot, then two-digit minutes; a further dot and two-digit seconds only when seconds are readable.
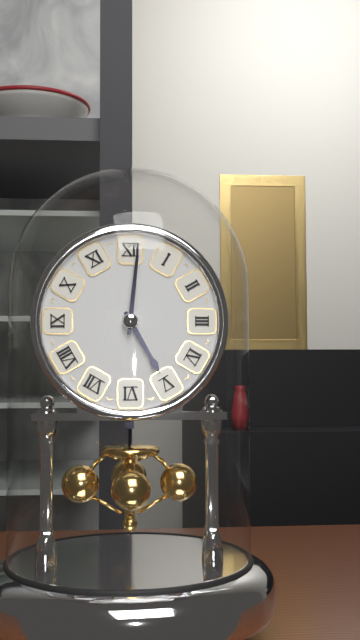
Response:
5.01
